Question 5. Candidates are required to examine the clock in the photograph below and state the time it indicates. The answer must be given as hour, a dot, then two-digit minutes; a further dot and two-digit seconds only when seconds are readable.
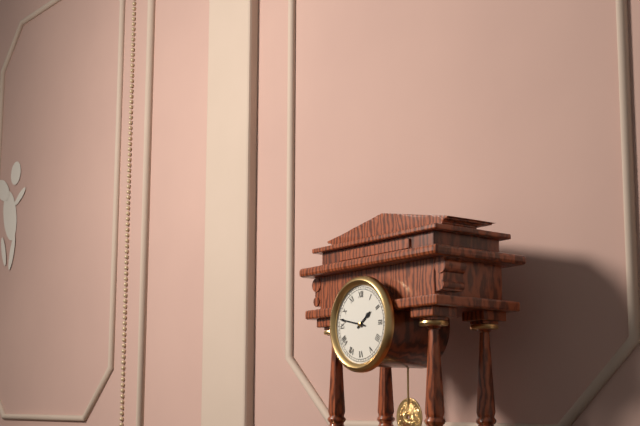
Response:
1.47
